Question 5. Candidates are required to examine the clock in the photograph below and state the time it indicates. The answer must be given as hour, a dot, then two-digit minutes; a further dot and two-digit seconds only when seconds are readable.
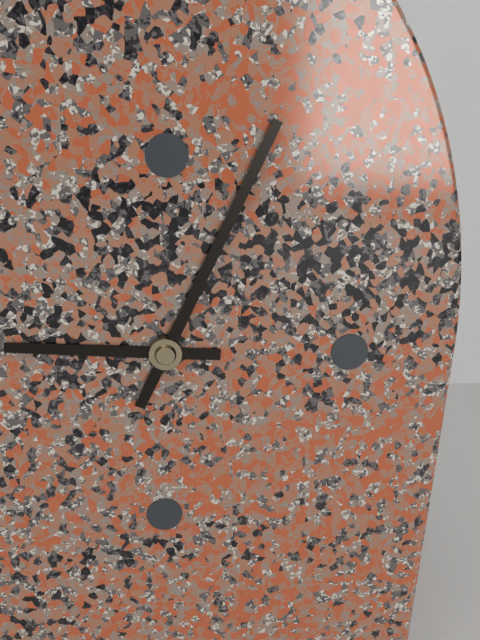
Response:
9.04
